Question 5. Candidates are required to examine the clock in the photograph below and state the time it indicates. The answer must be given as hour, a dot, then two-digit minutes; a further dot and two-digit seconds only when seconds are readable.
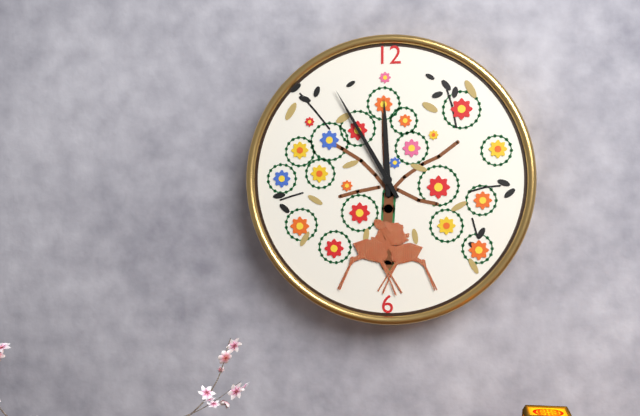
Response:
11.55
